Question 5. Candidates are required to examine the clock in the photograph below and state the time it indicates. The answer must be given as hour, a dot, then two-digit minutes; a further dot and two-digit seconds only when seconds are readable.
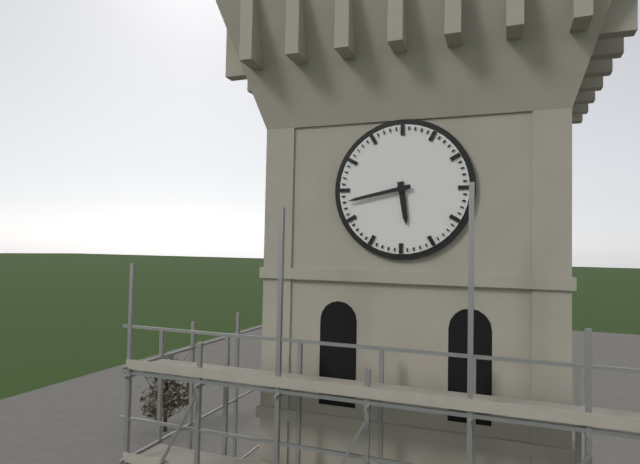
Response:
5.43
